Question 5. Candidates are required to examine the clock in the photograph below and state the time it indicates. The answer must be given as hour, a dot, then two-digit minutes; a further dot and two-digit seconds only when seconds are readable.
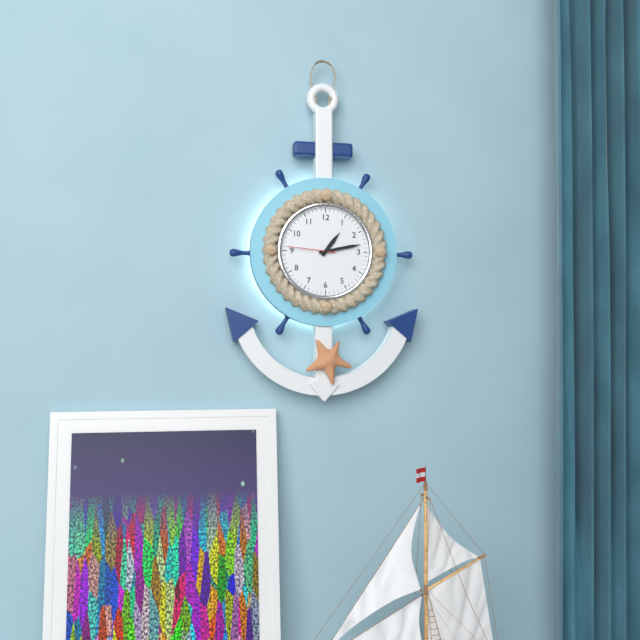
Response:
1.13
